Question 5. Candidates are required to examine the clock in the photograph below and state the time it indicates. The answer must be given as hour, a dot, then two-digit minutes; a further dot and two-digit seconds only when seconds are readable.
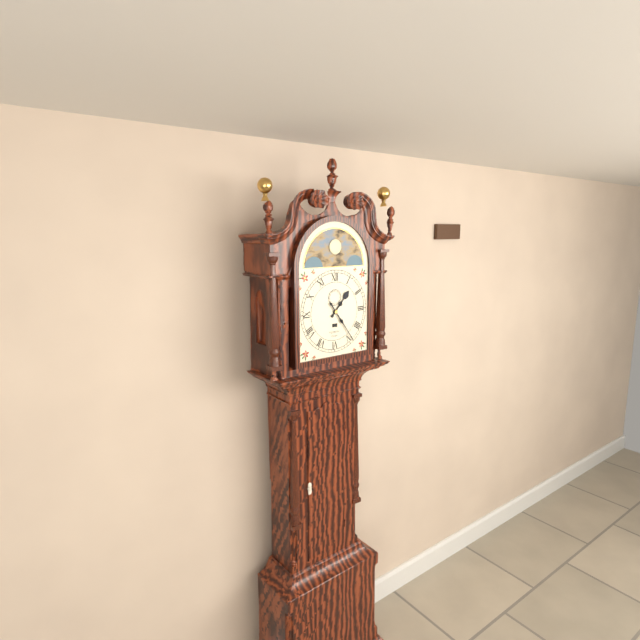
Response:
1.24
